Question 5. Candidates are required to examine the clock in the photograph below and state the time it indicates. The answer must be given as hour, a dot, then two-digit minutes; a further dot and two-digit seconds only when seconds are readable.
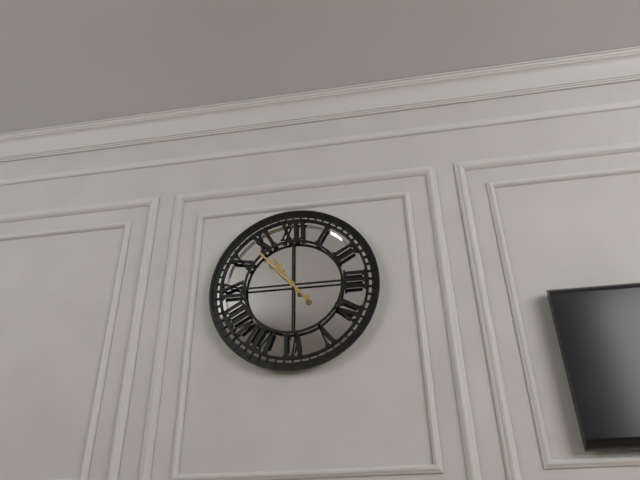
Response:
10.53
